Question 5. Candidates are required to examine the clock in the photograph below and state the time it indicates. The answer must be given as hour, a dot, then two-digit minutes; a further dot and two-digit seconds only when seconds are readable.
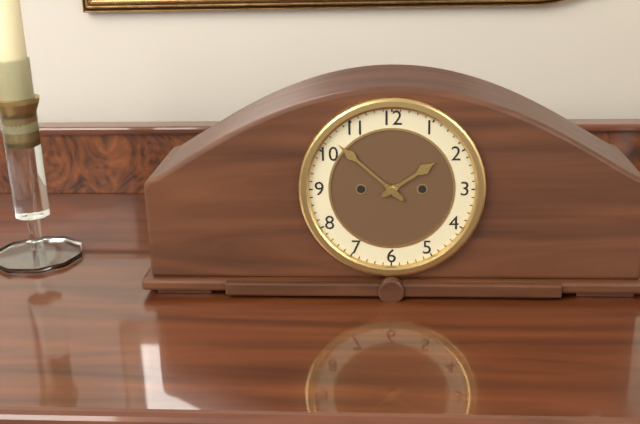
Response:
1.52
